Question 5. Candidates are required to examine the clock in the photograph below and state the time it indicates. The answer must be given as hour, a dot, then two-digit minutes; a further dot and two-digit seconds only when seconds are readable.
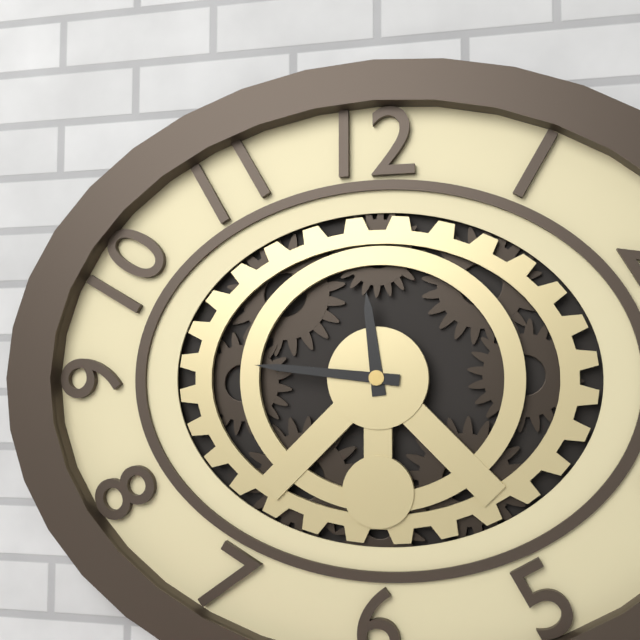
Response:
11.46
